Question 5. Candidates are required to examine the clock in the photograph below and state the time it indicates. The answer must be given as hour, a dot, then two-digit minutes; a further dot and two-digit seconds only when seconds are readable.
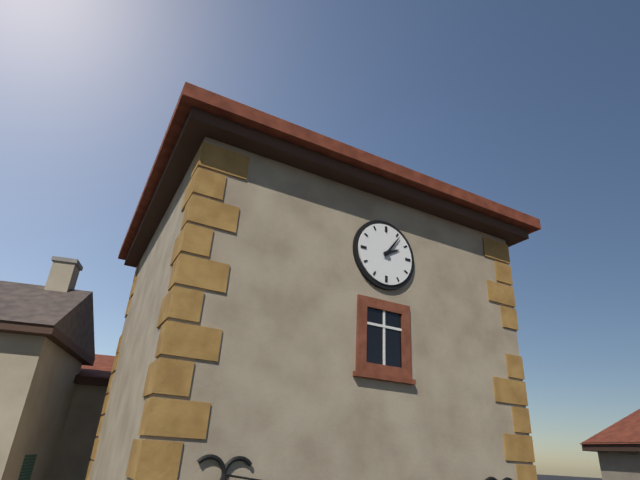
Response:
2.06
